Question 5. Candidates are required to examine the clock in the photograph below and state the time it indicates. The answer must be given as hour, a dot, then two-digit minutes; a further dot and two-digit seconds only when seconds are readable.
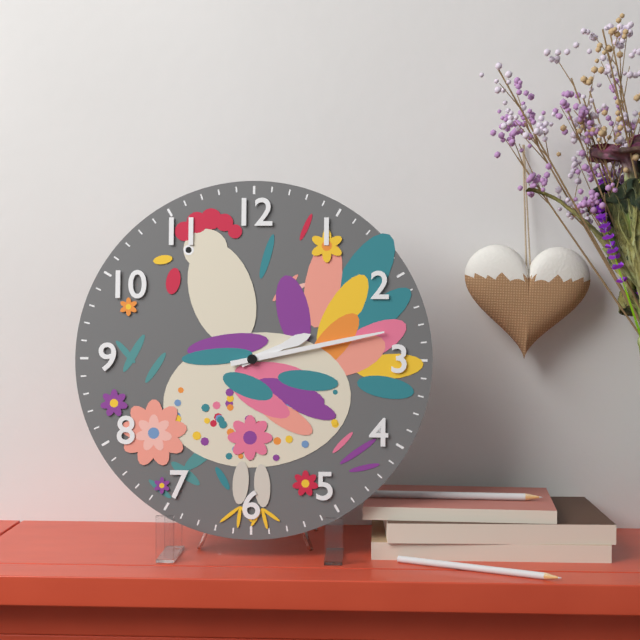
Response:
2.13
